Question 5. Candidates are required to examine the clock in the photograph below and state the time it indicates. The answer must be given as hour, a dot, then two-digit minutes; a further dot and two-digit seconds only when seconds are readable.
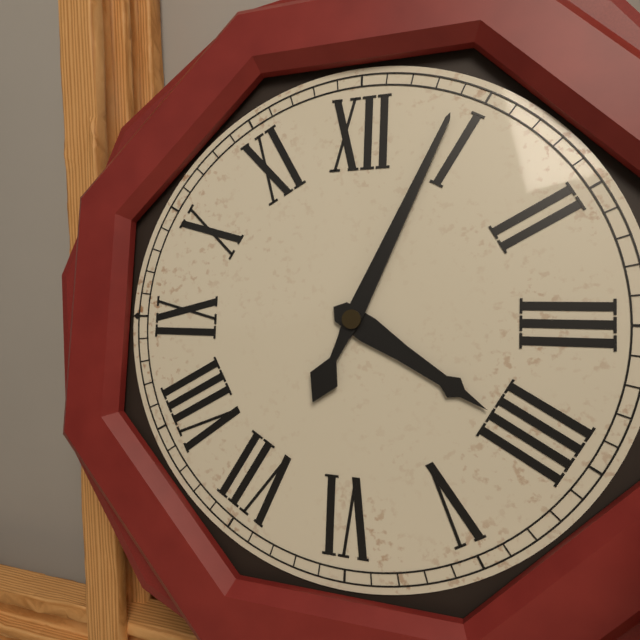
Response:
4.04
